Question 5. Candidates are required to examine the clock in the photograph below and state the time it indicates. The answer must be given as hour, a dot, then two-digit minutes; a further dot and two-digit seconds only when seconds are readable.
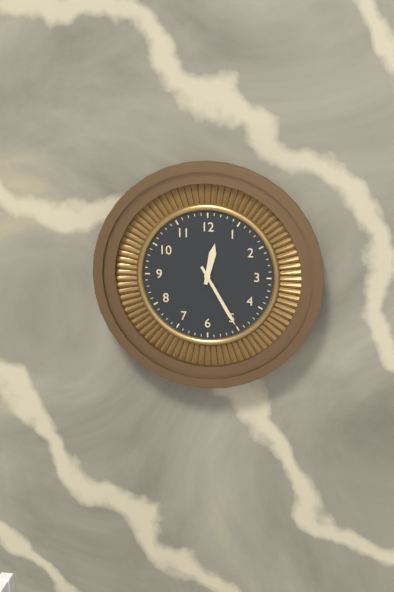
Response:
12.25
